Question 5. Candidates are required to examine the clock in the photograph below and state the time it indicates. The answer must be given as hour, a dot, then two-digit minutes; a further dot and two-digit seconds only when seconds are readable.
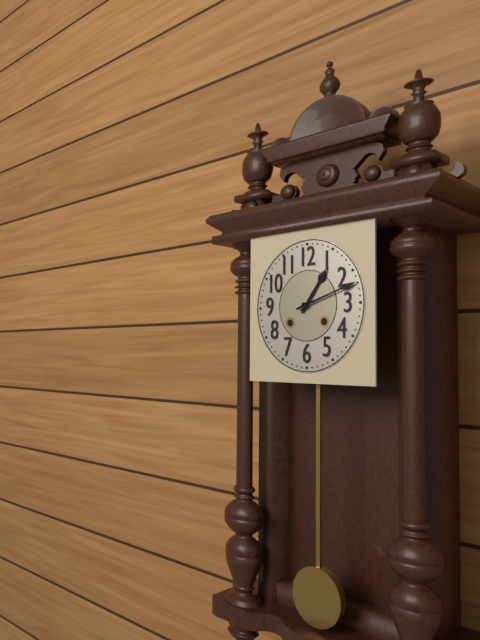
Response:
1.12
